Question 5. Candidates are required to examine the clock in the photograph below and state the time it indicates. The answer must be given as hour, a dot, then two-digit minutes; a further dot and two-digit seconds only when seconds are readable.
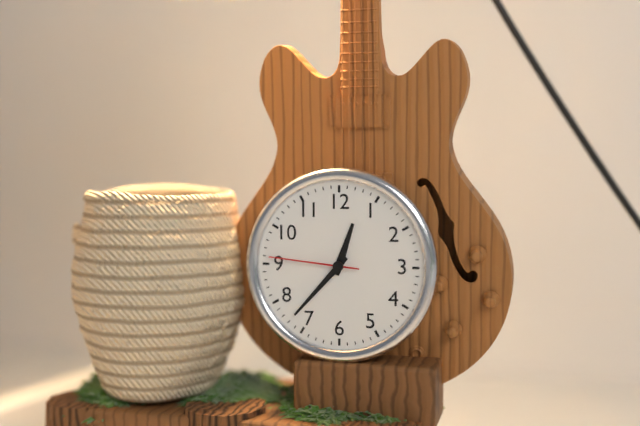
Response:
12.37.46
